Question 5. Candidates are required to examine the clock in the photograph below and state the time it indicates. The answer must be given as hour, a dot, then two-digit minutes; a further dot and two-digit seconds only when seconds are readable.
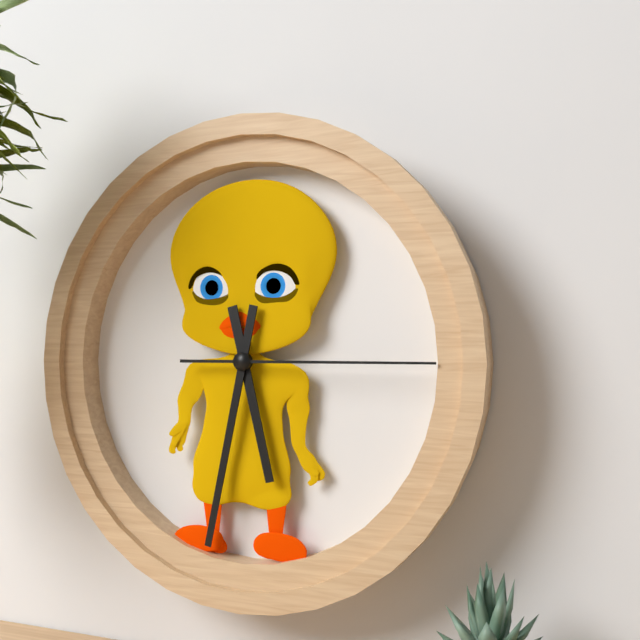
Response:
5.32.15
